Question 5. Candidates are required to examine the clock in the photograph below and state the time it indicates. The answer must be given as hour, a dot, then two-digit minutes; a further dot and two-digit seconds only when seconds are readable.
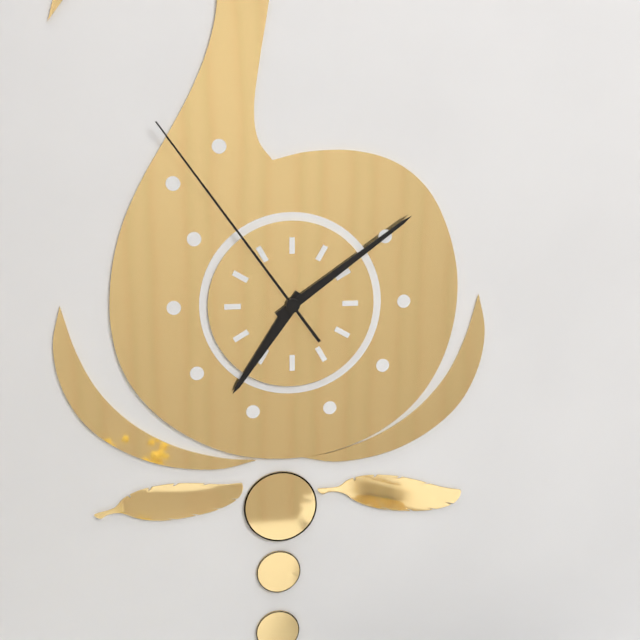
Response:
7.09.54
